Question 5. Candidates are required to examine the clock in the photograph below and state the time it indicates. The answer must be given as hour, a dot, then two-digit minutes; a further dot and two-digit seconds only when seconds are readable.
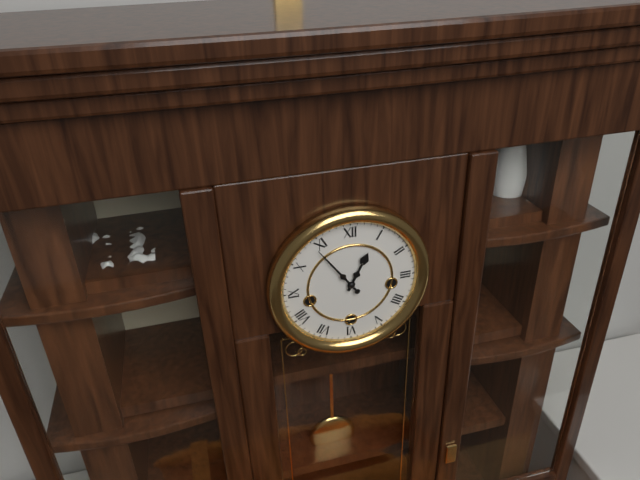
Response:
12.54
